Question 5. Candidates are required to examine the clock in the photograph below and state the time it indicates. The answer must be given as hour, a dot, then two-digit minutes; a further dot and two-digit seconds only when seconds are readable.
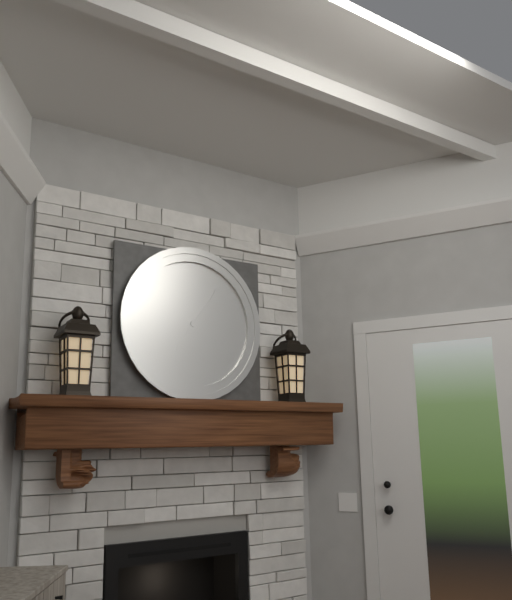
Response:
7.06
